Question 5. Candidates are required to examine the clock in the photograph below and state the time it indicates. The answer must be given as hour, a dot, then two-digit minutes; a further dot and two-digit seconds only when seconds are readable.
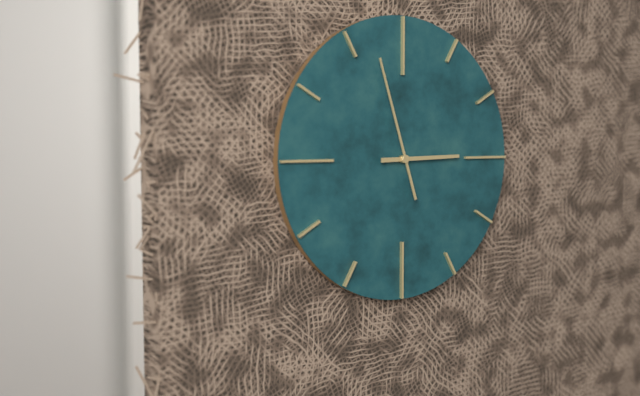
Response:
2.57
